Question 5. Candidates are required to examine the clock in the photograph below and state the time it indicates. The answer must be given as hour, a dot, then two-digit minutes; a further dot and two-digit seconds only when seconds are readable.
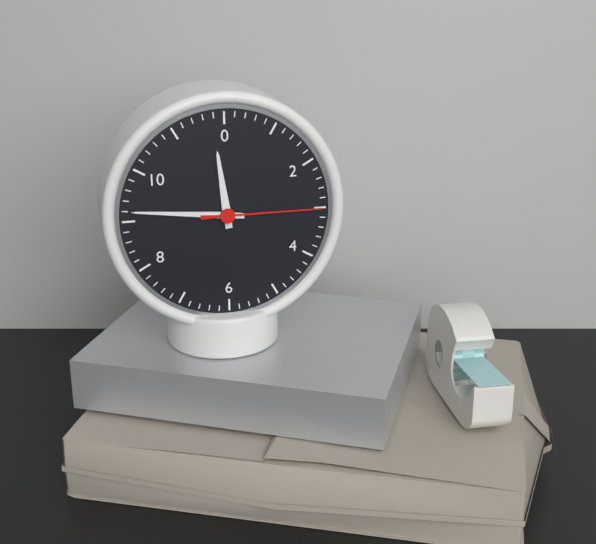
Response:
11.46.15
